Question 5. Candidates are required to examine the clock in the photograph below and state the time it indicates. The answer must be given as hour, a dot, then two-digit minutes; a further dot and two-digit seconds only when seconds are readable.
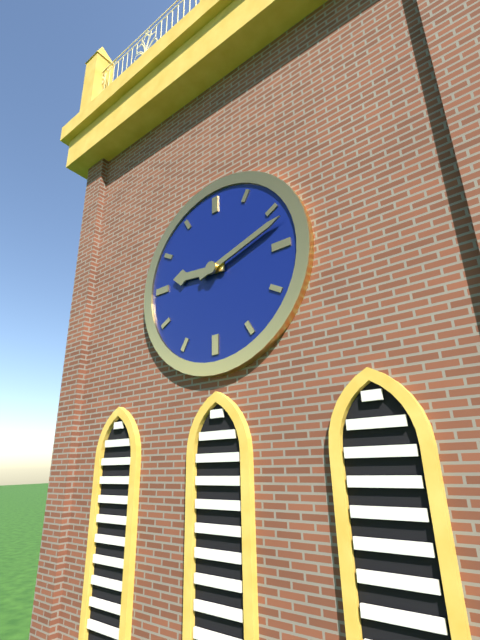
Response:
9.12
